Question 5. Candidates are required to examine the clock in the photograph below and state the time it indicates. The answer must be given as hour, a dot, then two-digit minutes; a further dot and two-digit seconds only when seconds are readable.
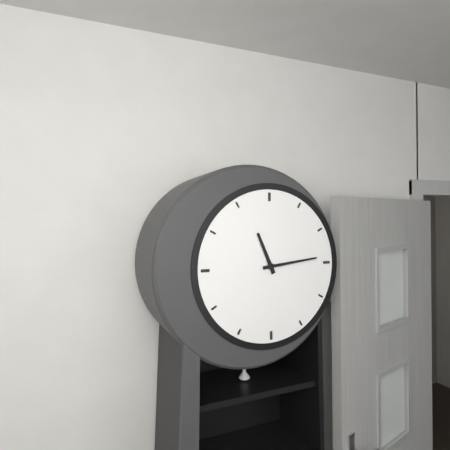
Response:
11.14
